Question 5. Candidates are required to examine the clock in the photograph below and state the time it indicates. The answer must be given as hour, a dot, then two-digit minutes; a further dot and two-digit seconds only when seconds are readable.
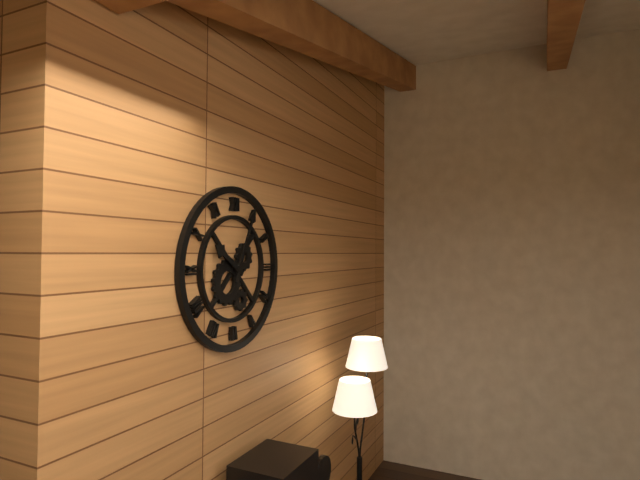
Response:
10.04
